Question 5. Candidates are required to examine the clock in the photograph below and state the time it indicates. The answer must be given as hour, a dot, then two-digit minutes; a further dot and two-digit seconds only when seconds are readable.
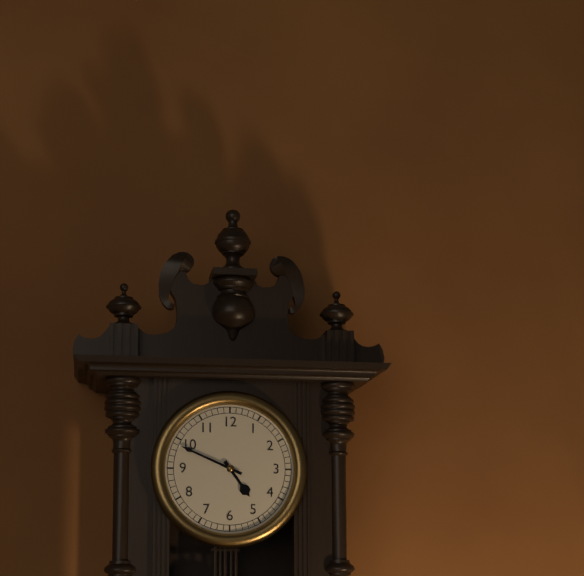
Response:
4.49
